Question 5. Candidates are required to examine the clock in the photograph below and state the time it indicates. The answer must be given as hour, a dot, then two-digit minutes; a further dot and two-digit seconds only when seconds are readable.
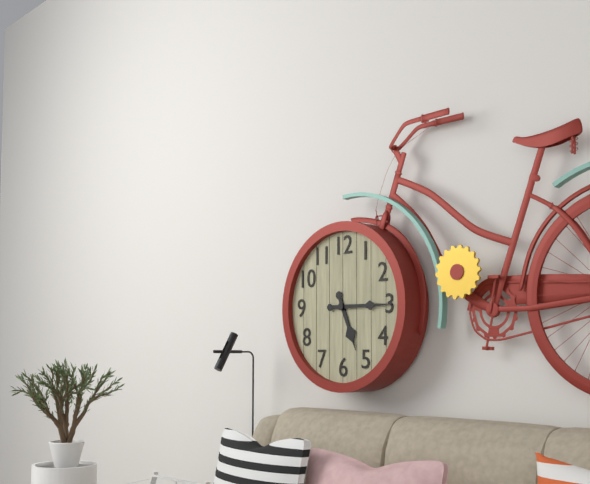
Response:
5.15
